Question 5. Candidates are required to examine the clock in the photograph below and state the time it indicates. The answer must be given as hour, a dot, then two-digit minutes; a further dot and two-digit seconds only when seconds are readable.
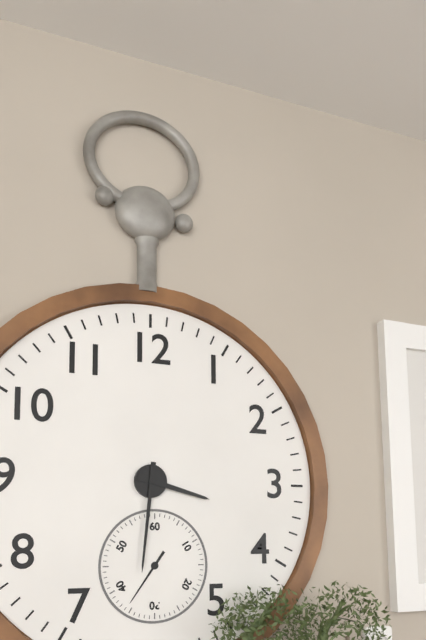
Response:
3.31
